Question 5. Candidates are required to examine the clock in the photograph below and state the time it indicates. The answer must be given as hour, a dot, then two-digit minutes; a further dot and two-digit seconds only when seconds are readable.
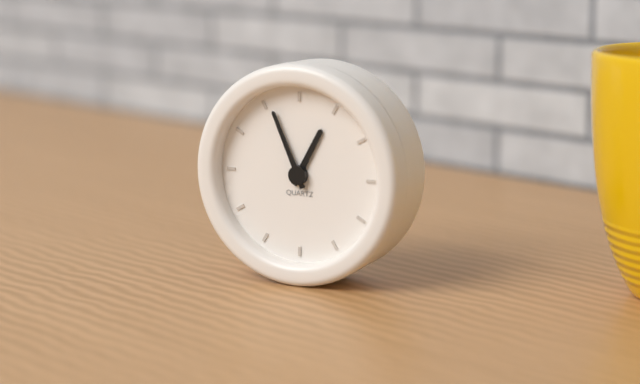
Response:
12.56
